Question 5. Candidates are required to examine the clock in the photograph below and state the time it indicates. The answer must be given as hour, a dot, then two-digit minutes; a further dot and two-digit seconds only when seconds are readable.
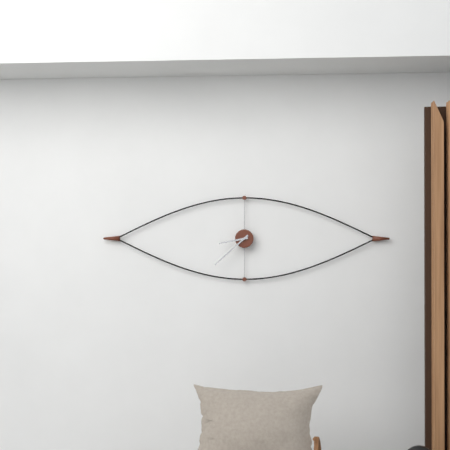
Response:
8.38
